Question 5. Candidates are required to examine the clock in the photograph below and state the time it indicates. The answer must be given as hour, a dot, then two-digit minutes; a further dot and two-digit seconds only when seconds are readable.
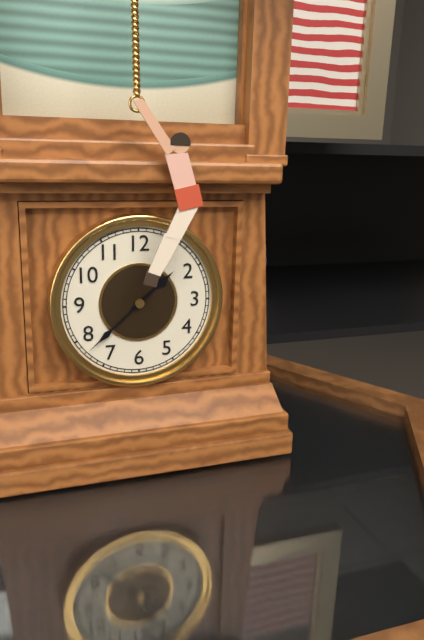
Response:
1.38
